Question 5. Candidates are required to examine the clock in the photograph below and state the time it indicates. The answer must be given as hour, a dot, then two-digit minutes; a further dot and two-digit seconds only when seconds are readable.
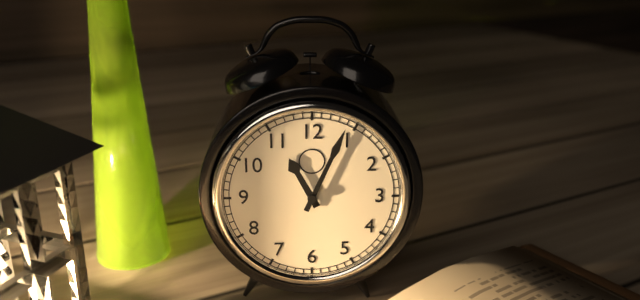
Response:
11.04
